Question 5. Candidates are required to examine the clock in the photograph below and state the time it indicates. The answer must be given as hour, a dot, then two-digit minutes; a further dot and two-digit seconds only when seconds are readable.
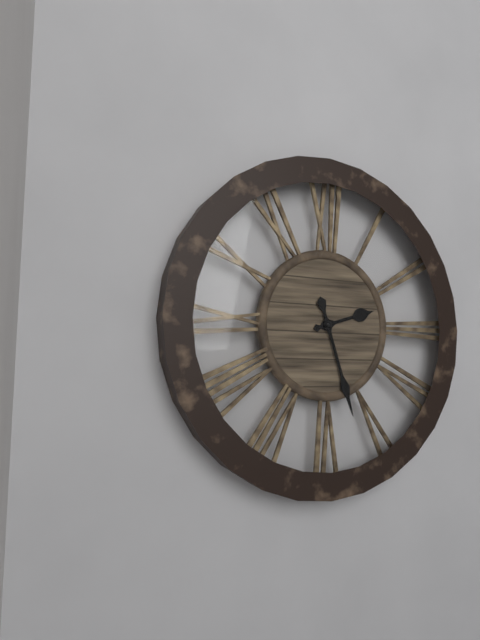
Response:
2.27
